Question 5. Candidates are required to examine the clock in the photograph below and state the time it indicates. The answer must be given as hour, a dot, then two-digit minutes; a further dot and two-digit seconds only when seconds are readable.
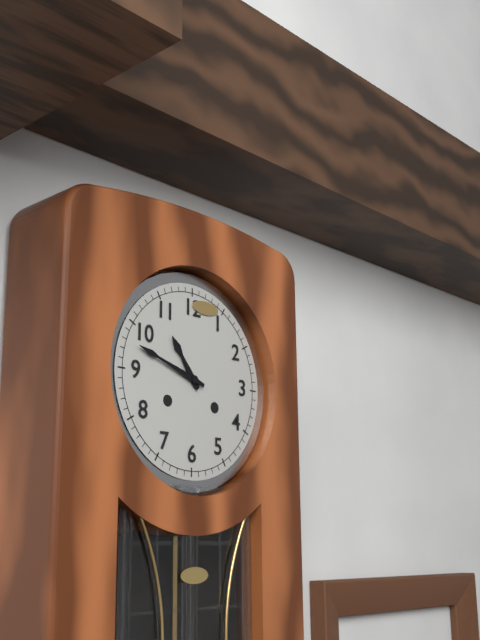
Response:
10.48
